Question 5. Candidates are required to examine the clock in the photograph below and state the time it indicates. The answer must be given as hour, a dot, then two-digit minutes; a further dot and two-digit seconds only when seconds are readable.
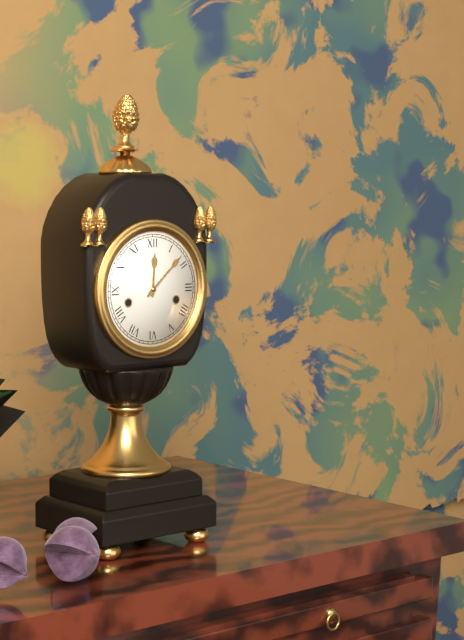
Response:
12.08
